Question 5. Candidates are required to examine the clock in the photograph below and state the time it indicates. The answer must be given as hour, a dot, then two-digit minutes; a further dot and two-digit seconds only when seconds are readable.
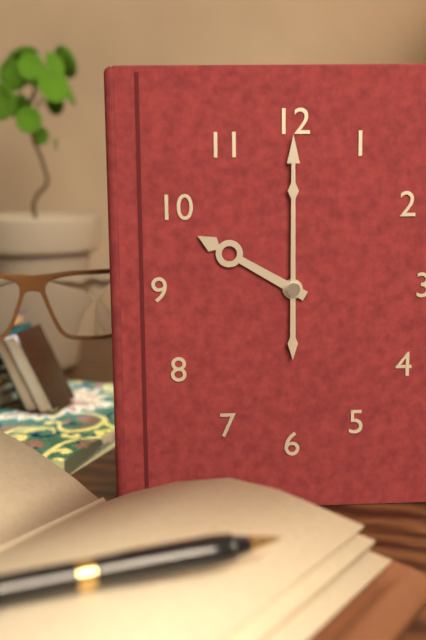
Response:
10.00
